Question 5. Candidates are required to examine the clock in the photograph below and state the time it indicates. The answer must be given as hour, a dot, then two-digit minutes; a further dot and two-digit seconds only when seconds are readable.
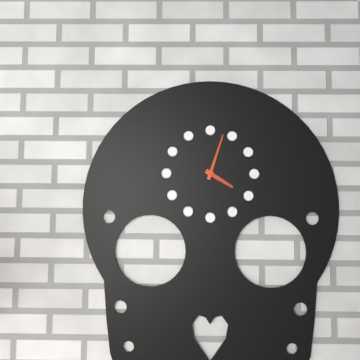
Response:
4.03
